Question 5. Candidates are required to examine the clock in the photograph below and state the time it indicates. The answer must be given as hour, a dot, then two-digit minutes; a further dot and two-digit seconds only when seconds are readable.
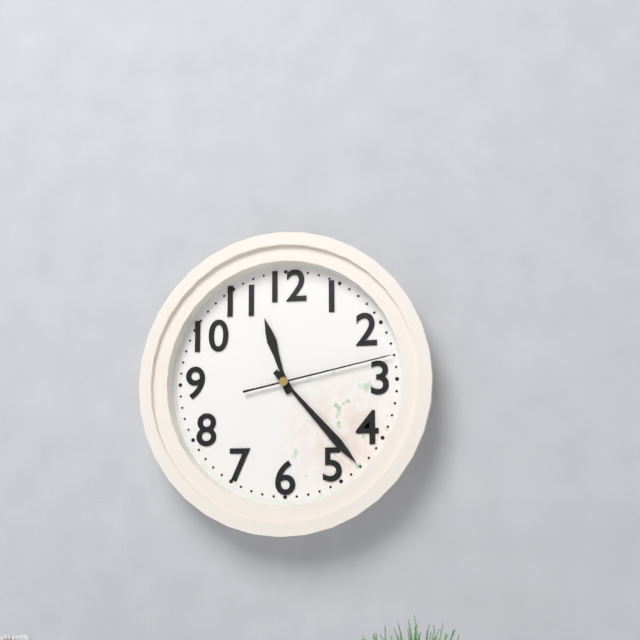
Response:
11.23.13
